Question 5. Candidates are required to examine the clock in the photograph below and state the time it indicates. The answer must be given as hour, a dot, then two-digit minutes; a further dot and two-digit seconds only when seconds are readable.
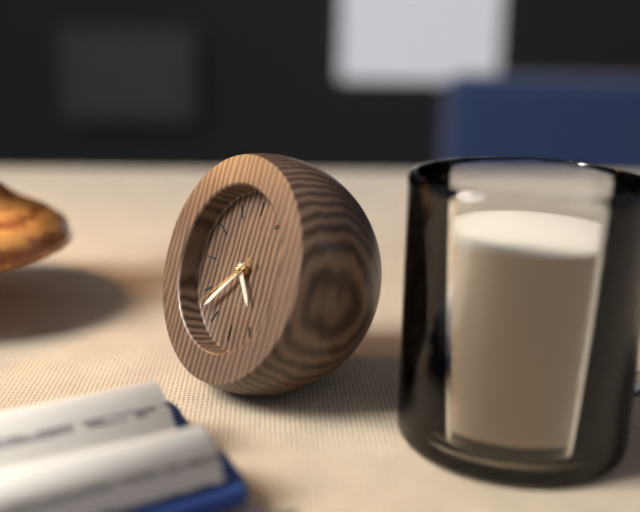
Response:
4.37.38
